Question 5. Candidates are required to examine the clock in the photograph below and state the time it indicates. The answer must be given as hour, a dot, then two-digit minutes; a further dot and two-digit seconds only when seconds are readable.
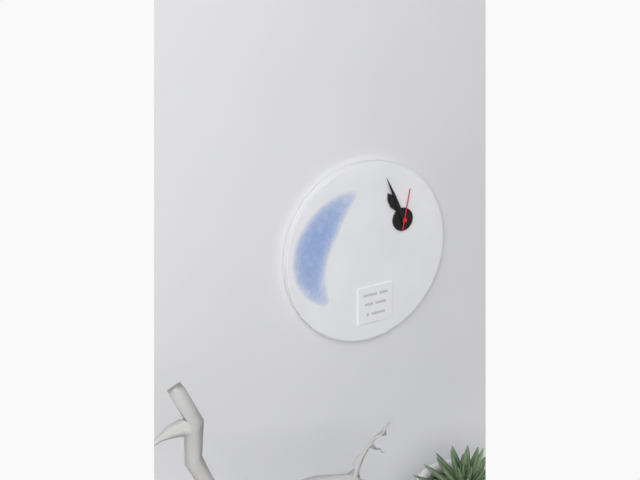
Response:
10.56
